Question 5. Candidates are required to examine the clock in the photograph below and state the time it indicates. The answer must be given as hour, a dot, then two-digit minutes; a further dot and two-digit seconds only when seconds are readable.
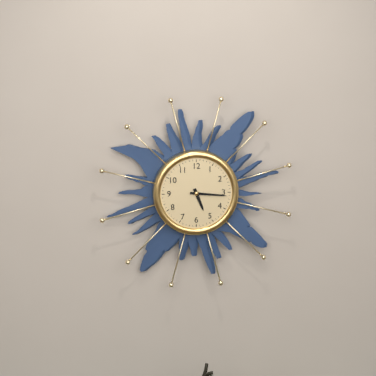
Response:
5.16
